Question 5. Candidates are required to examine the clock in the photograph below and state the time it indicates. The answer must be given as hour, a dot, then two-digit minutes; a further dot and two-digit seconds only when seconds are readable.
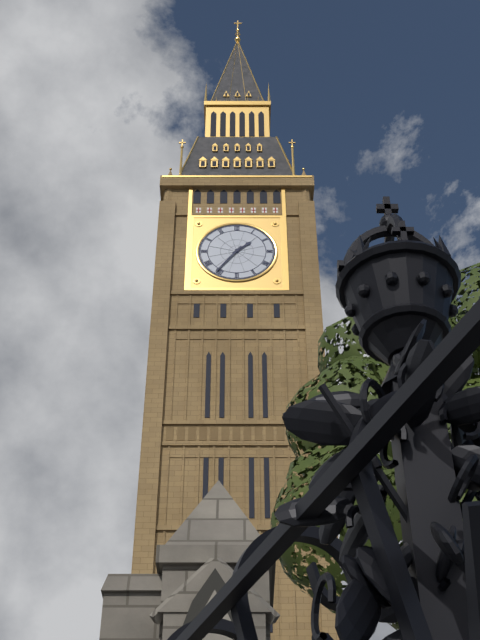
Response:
1.36
